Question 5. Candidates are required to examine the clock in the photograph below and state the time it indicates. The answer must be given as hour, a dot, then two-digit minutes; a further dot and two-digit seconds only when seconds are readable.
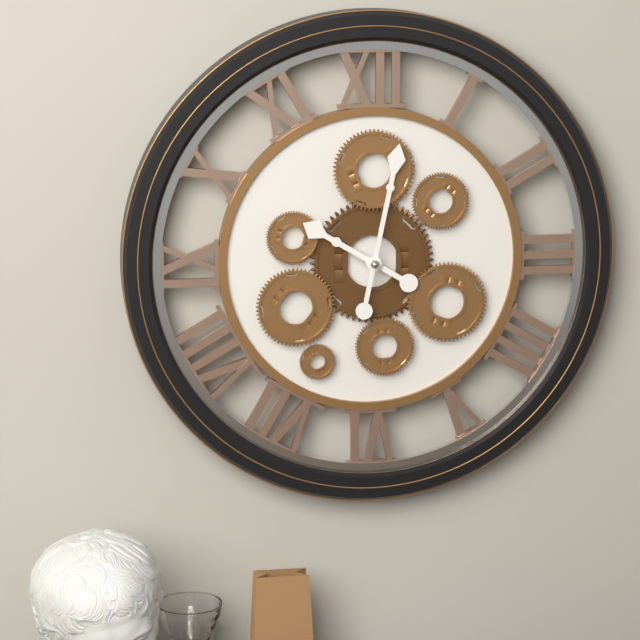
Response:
10.02
